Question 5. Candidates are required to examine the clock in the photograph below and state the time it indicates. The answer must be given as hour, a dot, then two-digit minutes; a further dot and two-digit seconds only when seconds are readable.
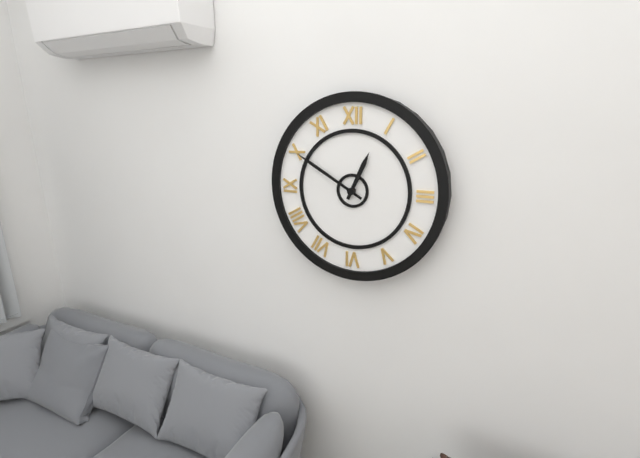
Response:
12.50
